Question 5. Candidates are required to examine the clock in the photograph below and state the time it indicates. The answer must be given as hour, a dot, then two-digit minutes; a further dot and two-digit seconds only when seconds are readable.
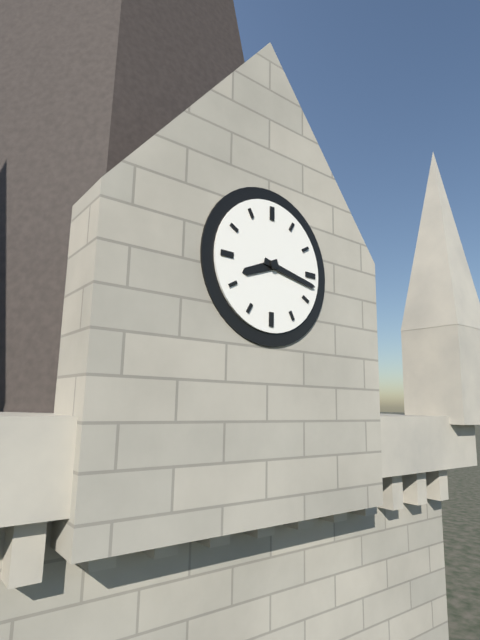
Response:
8.17
